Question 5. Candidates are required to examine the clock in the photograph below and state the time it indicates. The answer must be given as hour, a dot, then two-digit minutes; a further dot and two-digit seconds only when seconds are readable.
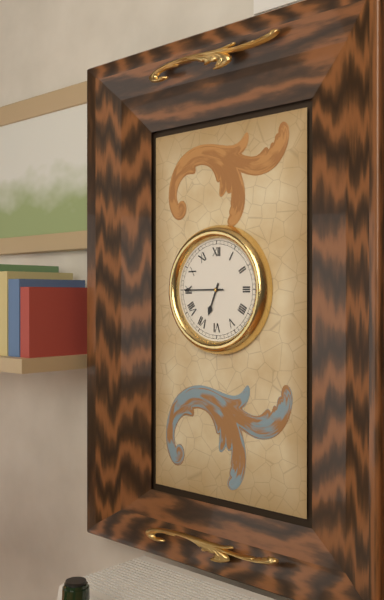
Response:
6.45
